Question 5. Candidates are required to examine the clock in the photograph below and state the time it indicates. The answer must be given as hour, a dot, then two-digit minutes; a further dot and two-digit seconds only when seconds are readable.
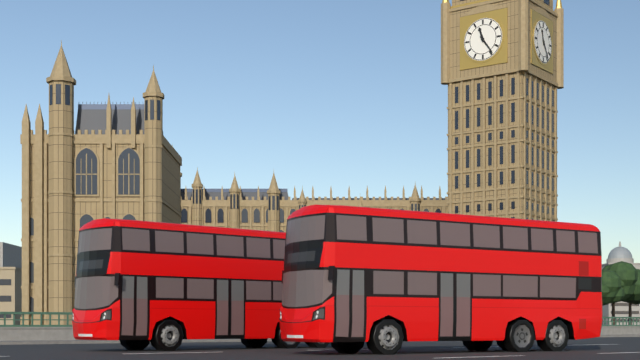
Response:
11.24
